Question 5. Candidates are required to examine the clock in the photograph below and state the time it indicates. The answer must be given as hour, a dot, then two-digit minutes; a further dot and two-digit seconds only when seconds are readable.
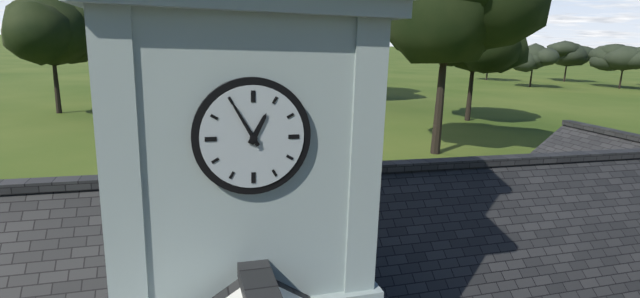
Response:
12.55
